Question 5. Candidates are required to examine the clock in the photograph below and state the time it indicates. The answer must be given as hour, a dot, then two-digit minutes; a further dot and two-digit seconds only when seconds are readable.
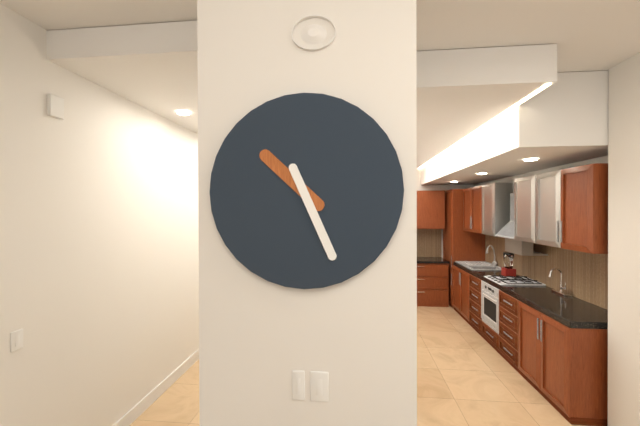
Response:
10.26
